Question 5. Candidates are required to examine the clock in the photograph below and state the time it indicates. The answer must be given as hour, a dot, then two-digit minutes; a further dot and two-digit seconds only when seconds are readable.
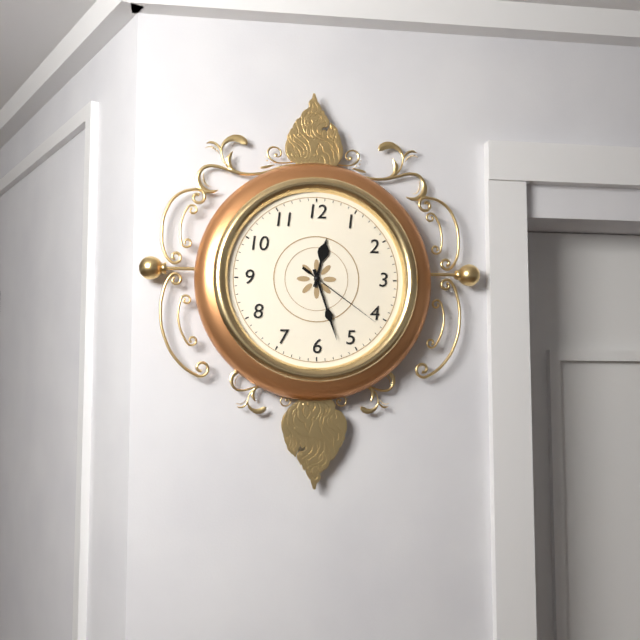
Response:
12.27.21
